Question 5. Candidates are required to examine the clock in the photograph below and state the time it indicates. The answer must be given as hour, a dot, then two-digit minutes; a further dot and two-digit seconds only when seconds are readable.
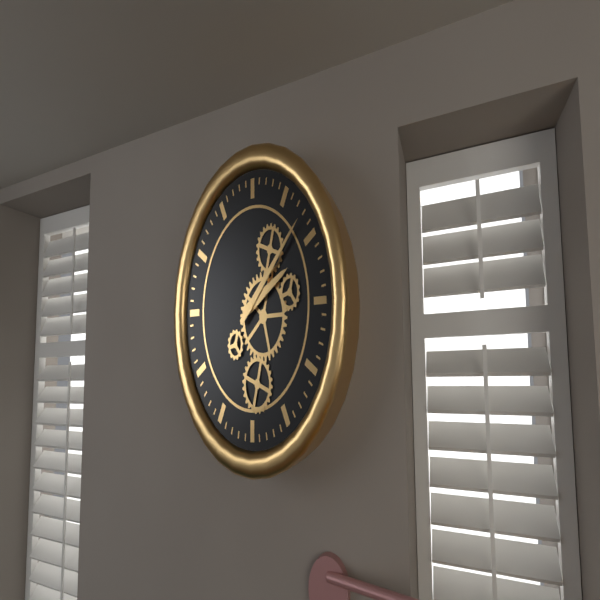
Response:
2.08
